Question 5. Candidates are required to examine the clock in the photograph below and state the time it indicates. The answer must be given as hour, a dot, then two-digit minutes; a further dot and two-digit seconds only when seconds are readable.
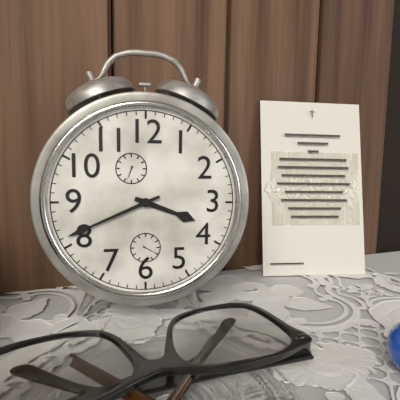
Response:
3.41
